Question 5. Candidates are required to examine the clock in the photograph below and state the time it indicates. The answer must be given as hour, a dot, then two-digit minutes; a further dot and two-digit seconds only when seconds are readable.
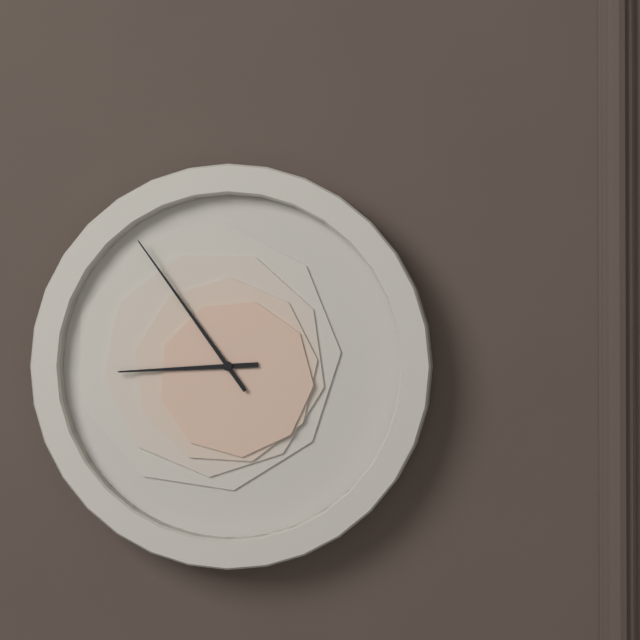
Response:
8.54
